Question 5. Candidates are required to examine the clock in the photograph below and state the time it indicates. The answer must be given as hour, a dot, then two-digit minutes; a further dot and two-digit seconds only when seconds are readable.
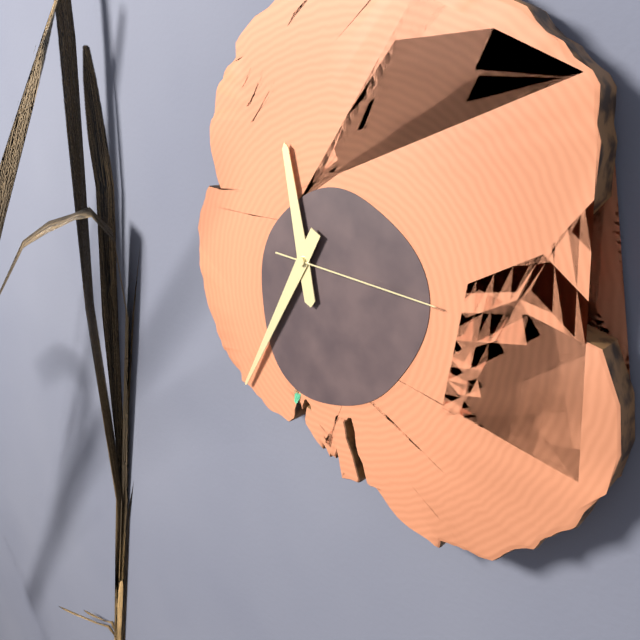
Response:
11.35.16
